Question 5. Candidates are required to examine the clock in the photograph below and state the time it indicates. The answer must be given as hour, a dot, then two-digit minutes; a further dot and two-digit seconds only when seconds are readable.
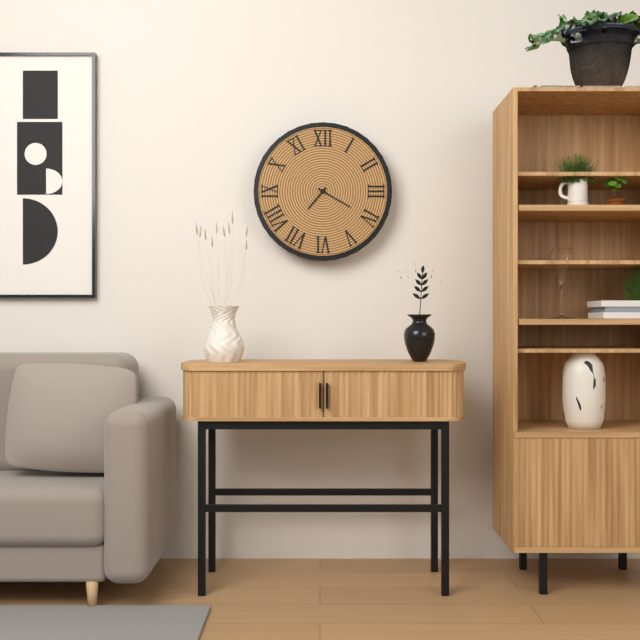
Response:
7.20
